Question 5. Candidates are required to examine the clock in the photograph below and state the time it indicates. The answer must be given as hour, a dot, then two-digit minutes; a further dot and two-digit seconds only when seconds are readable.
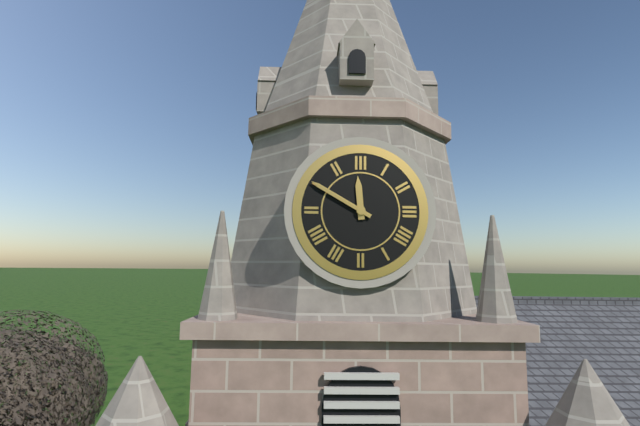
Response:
11.50
